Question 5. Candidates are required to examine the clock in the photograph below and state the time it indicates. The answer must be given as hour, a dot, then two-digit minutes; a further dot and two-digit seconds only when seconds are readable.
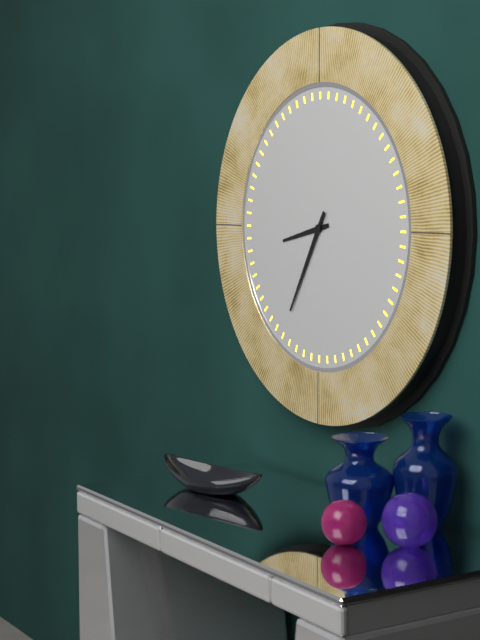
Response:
8.35
